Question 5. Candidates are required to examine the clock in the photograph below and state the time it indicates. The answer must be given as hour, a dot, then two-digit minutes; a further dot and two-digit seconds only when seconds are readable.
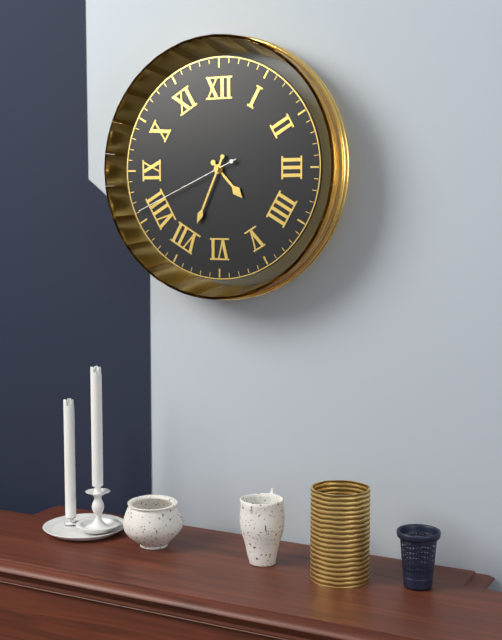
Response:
4.34.41
